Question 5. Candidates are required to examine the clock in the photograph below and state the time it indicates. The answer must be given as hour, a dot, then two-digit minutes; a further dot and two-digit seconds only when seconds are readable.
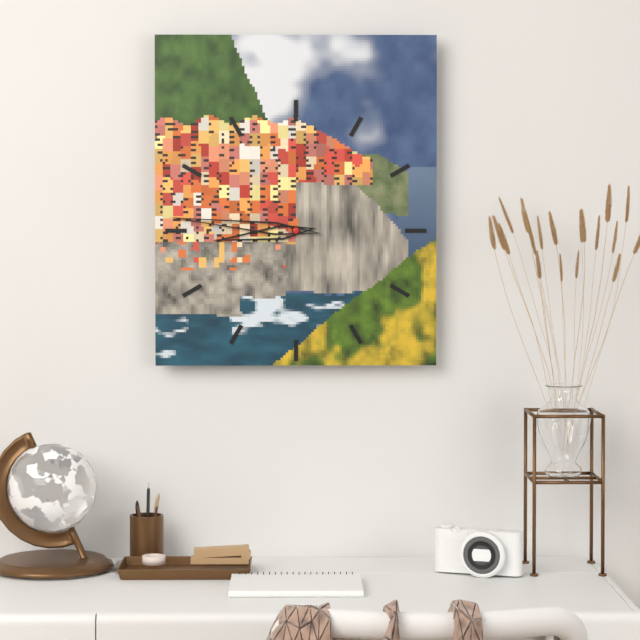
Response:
8.46
